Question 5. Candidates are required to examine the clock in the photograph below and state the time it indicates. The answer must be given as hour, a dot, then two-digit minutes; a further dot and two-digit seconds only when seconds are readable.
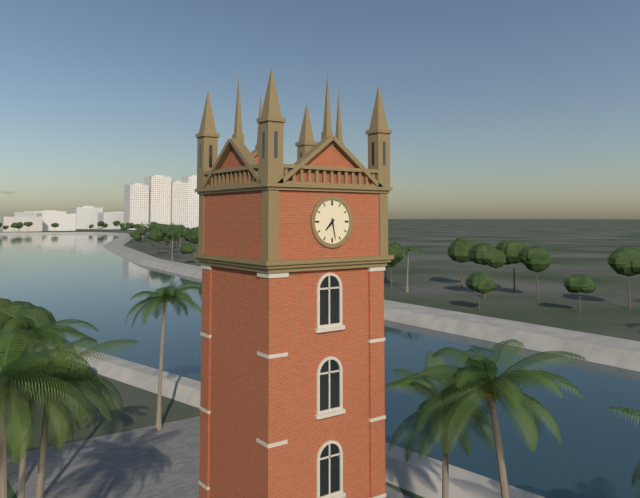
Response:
7.28
